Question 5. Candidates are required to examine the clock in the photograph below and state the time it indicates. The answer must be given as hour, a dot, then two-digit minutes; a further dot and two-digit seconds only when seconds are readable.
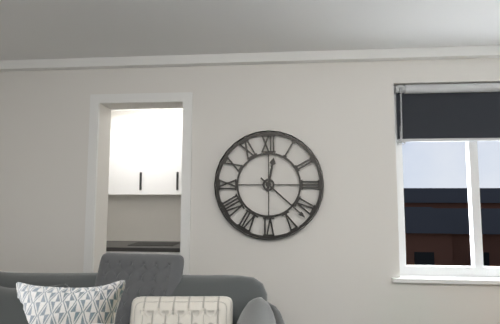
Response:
12.22
